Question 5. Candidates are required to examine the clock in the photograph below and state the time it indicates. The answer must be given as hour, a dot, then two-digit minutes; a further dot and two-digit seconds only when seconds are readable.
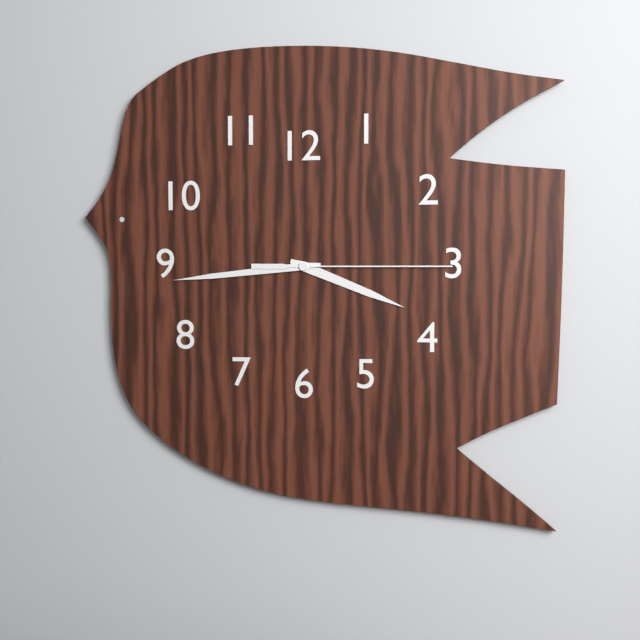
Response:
3.44.15
